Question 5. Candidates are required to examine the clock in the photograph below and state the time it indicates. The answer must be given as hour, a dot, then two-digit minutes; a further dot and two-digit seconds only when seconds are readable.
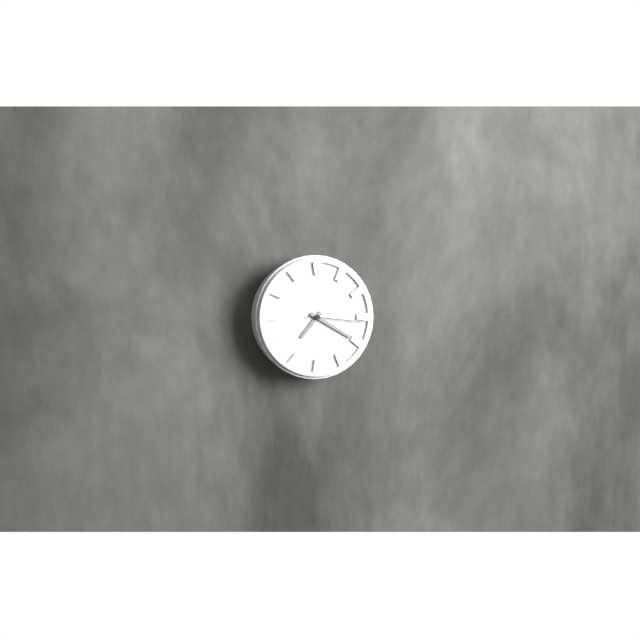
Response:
7.20.16
